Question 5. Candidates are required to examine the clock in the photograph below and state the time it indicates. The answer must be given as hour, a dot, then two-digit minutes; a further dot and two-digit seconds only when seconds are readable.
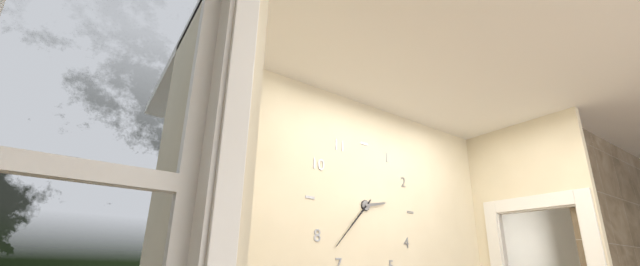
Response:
2.37
